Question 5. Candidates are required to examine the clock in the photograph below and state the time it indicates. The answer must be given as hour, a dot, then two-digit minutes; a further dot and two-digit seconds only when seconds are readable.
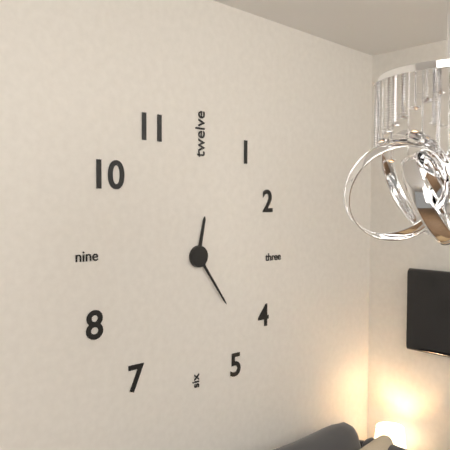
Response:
12.24
